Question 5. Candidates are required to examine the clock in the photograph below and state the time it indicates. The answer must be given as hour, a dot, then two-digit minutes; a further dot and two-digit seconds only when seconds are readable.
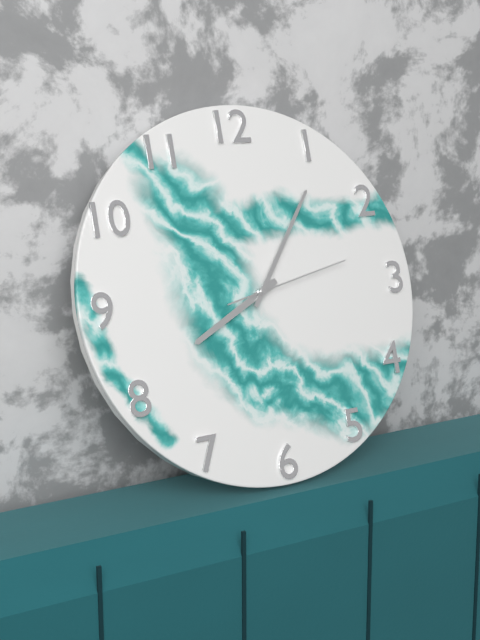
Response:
8.06.13
